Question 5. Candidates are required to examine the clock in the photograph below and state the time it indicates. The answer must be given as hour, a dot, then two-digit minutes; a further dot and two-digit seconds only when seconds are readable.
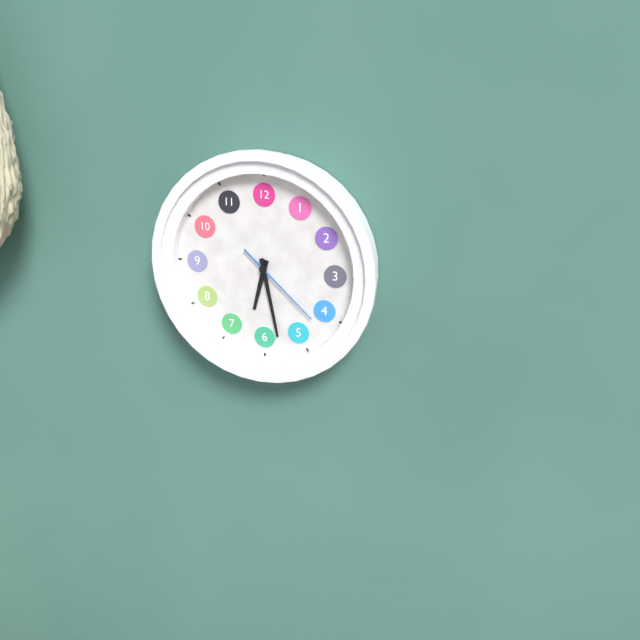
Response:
6.28.22
